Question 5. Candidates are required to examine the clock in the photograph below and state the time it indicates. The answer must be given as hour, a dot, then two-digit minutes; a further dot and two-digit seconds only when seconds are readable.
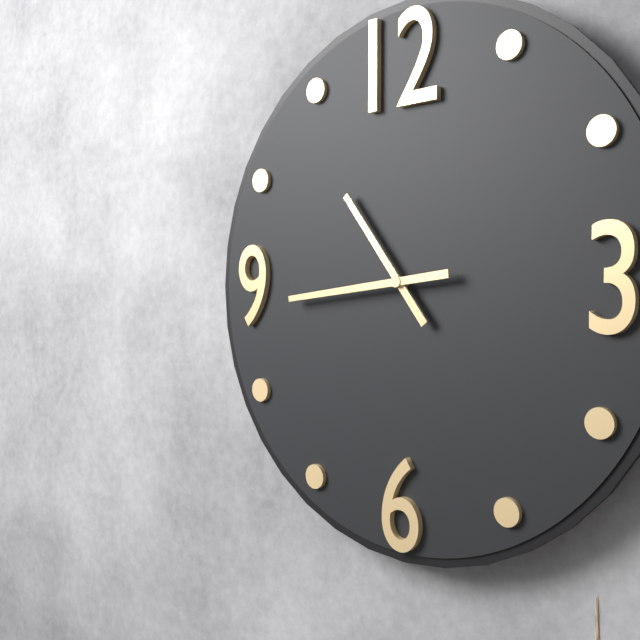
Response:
10.44
